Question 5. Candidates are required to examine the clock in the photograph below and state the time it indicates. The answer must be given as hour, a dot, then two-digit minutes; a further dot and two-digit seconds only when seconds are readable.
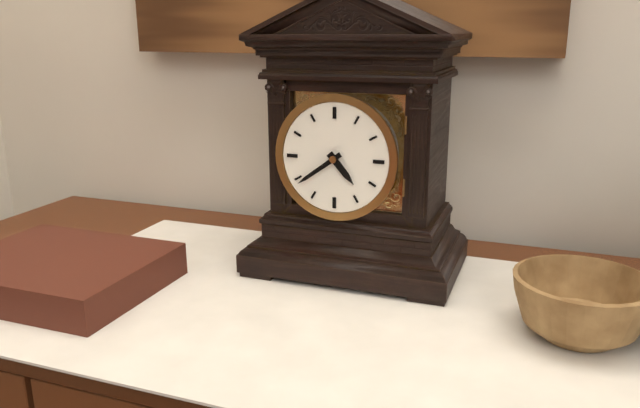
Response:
4.39
